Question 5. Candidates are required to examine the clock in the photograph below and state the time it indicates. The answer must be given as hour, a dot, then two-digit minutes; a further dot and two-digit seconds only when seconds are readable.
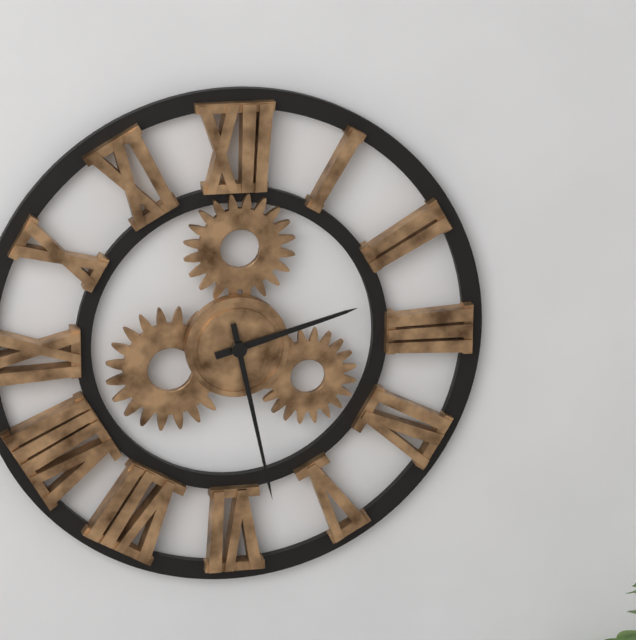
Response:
2.28
